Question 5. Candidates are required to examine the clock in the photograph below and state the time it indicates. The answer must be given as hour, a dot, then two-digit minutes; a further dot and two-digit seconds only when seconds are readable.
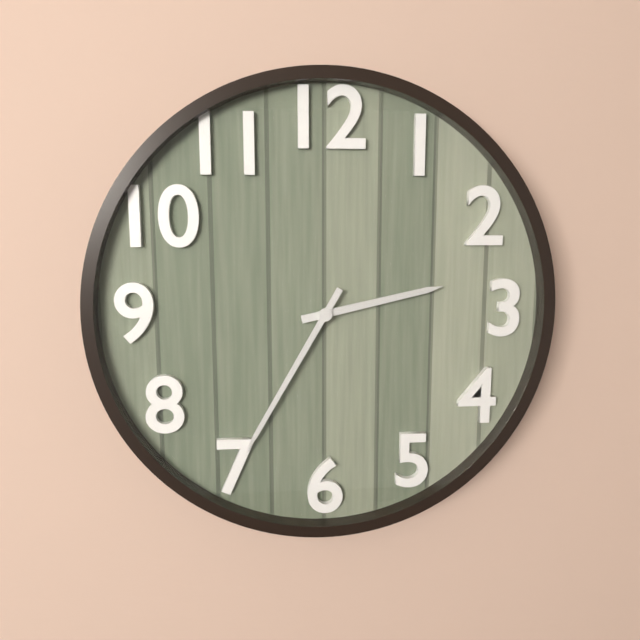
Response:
2.35
